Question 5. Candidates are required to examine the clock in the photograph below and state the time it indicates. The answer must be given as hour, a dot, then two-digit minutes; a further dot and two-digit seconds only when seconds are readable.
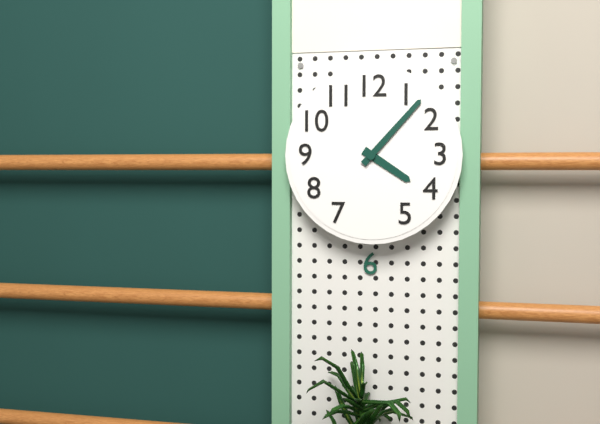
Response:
4.07
